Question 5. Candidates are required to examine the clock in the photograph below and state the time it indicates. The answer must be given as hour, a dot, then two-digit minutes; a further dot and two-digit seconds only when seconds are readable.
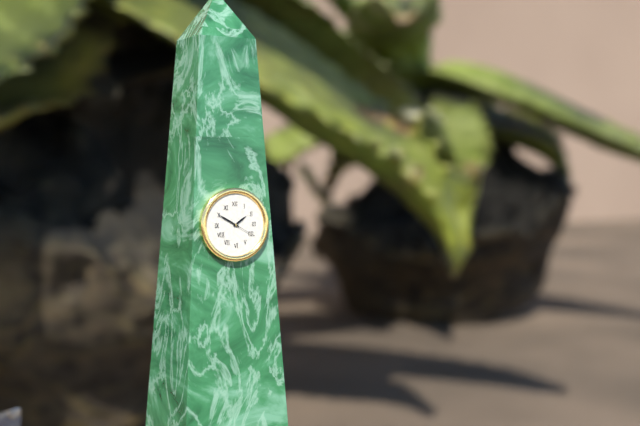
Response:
1.50
